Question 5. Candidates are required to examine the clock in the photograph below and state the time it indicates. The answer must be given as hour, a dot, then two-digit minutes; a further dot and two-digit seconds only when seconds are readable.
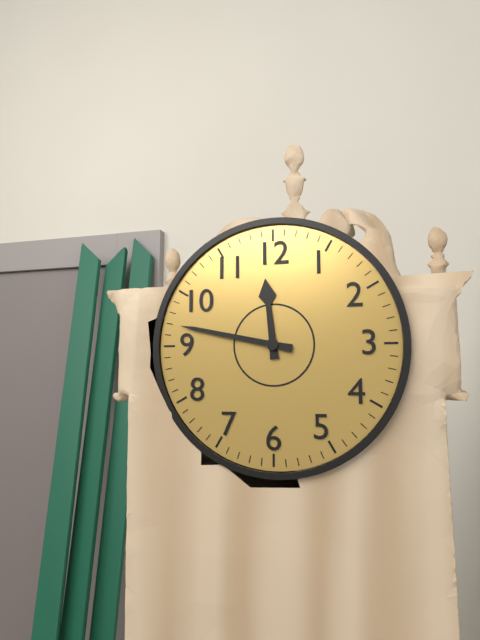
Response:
11.47
